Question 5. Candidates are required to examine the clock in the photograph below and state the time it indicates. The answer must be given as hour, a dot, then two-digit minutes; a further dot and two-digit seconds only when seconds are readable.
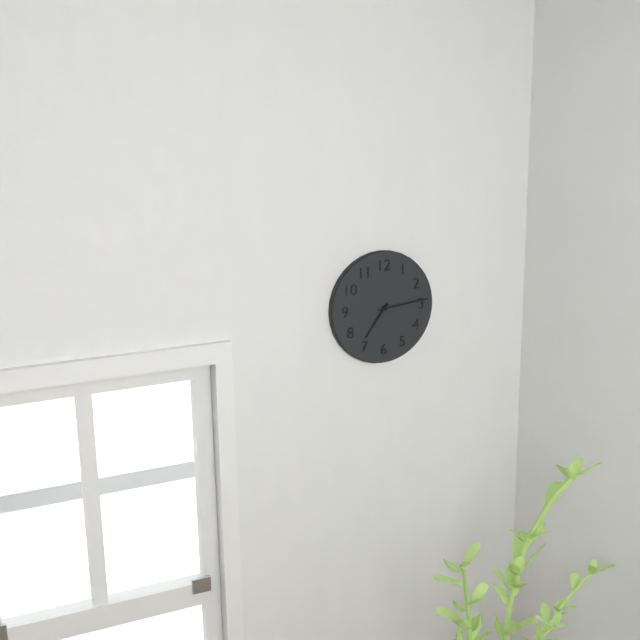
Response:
7.14
